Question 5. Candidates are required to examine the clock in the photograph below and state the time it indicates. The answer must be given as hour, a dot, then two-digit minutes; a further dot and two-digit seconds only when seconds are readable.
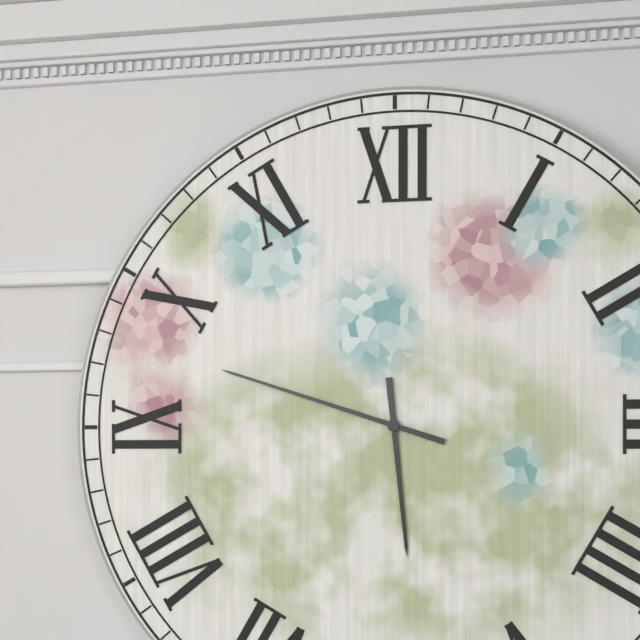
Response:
5.48
